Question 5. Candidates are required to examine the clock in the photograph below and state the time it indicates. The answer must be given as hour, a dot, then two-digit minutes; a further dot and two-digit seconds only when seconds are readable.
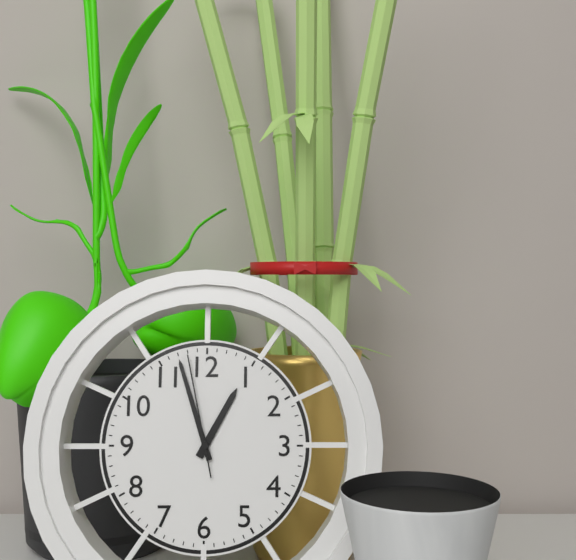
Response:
12.57.58
